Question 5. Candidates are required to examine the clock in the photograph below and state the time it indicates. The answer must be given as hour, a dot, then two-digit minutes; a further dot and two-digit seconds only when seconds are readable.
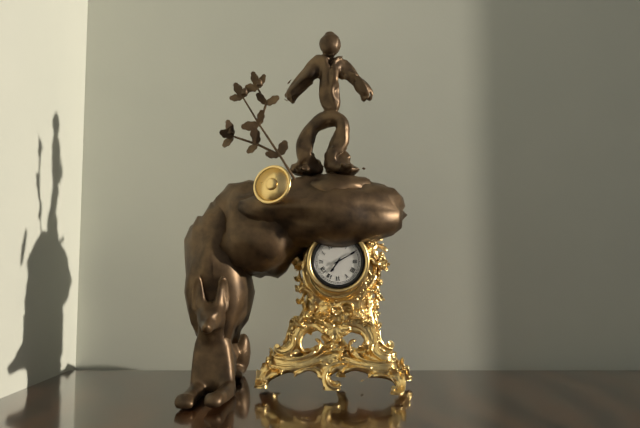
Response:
7.10
